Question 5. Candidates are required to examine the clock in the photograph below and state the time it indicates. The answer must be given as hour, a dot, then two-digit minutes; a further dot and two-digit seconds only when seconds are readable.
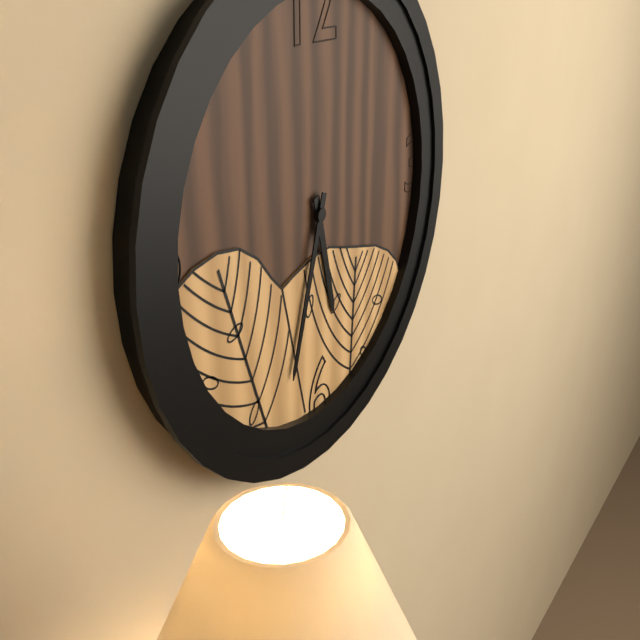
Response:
5.33
